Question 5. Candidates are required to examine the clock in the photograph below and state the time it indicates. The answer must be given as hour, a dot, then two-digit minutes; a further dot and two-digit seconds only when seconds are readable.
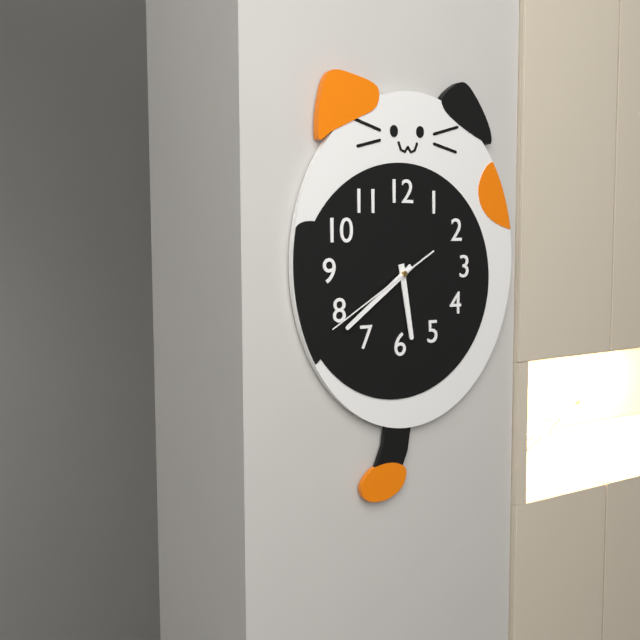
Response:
5.39.40
